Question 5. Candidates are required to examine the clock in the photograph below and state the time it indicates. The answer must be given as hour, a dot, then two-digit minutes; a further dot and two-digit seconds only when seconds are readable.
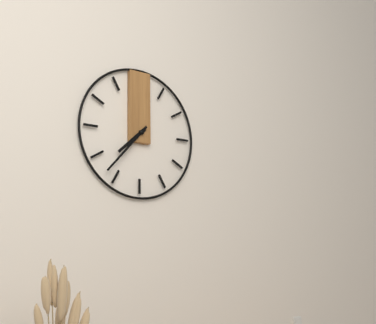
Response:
7.37
